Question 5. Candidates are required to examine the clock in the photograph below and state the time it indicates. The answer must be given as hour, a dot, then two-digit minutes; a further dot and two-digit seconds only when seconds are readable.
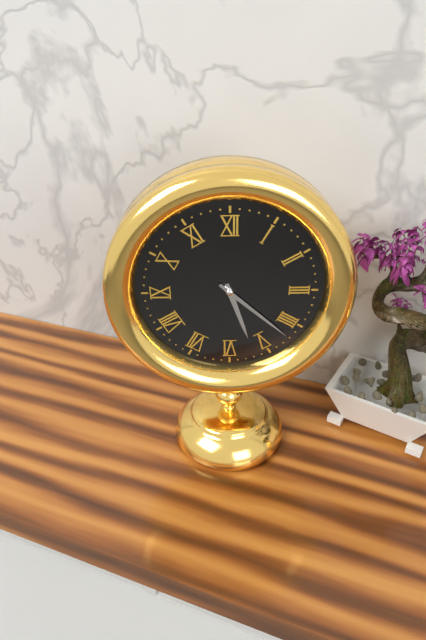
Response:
5.22
